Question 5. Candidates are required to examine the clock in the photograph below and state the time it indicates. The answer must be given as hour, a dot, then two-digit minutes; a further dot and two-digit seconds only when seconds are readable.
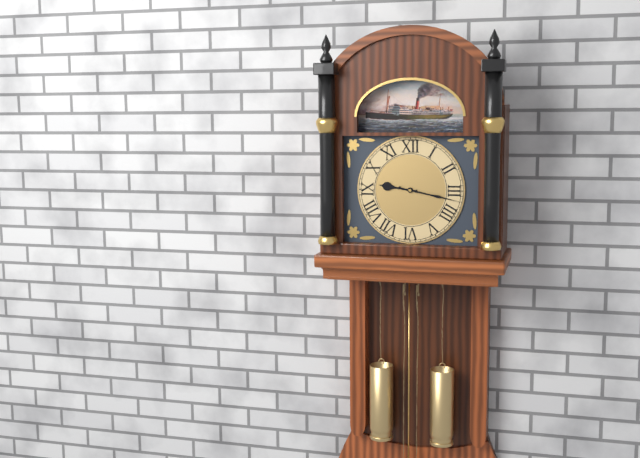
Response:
9.17
